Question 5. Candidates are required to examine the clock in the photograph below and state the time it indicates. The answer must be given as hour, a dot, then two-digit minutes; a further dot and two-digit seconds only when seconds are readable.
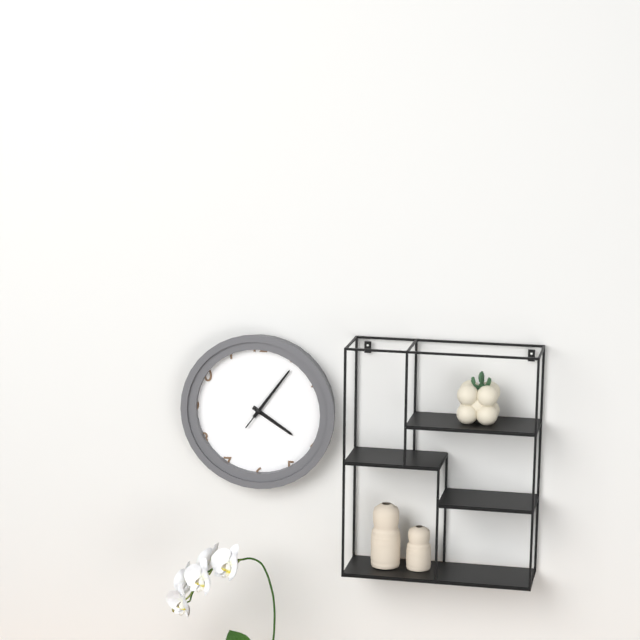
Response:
4.06.06
